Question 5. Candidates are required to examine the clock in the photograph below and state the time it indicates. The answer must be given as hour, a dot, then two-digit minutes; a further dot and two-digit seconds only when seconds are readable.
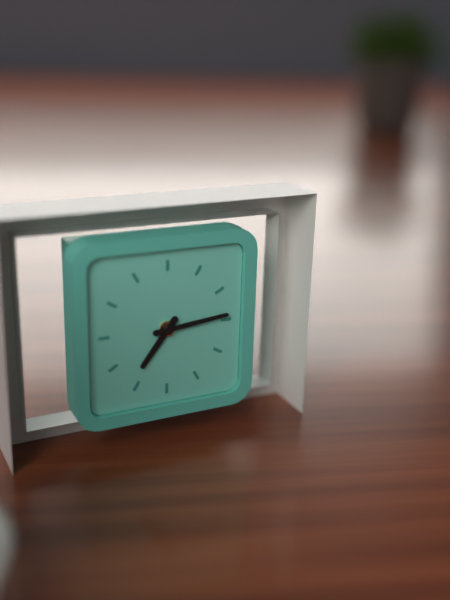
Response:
7.14
